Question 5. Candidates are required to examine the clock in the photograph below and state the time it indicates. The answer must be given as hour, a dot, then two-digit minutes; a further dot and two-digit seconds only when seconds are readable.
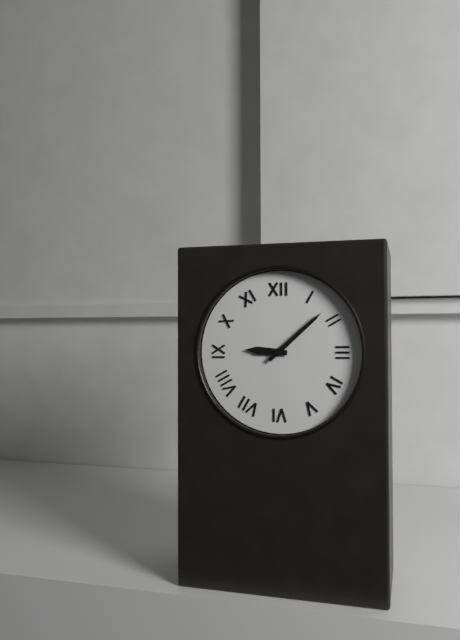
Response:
9.08
